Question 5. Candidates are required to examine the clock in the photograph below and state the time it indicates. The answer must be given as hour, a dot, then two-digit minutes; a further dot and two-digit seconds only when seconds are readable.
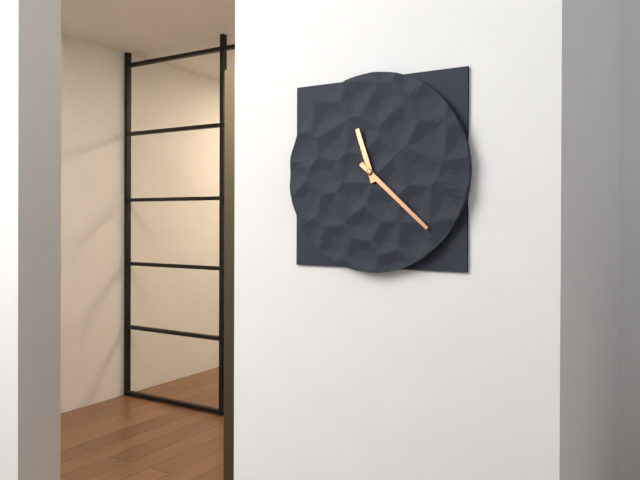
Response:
11.22
